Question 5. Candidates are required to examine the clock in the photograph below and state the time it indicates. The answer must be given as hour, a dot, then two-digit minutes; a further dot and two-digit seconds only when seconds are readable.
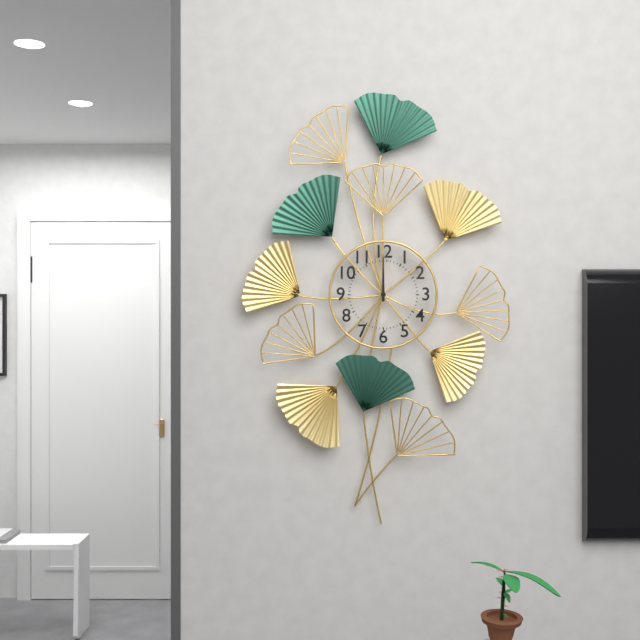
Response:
12.00
